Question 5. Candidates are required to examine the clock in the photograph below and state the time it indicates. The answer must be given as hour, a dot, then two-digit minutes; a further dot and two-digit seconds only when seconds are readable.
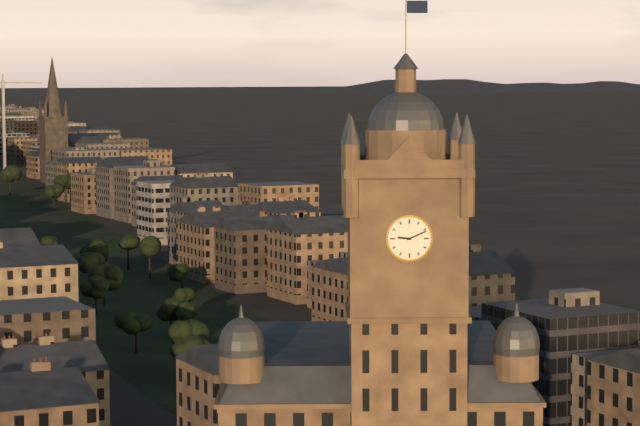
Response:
9.11
